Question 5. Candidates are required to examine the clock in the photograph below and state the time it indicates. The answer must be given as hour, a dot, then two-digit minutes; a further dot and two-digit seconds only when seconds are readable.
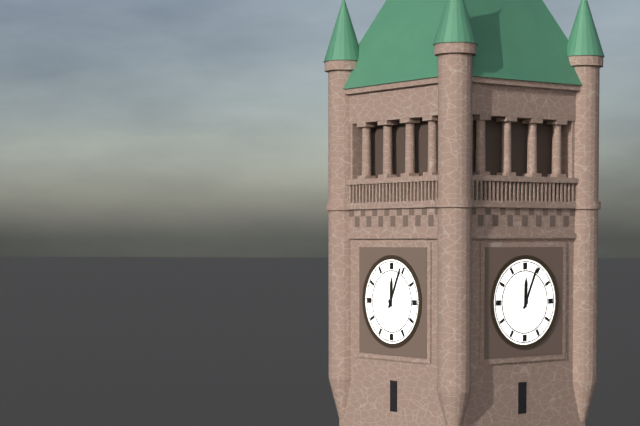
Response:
12.04
